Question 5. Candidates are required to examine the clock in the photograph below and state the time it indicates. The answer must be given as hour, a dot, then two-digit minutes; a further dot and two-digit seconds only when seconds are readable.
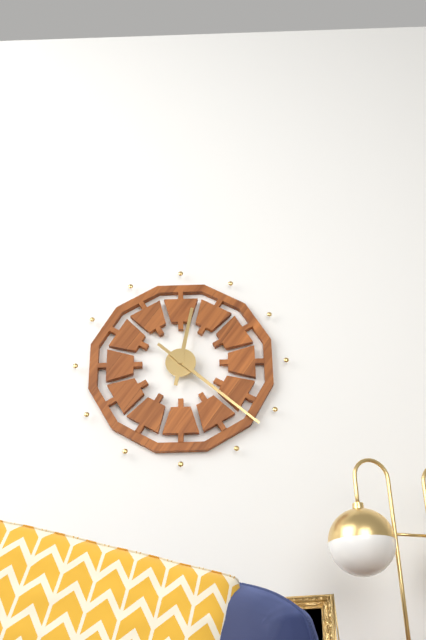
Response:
12.22
